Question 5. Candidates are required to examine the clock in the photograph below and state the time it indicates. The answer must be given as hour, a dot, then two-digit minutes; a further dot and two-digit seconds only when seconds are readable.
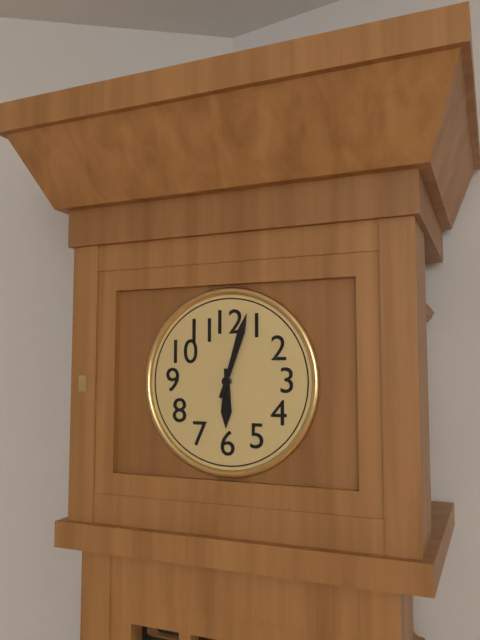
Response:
6.03
